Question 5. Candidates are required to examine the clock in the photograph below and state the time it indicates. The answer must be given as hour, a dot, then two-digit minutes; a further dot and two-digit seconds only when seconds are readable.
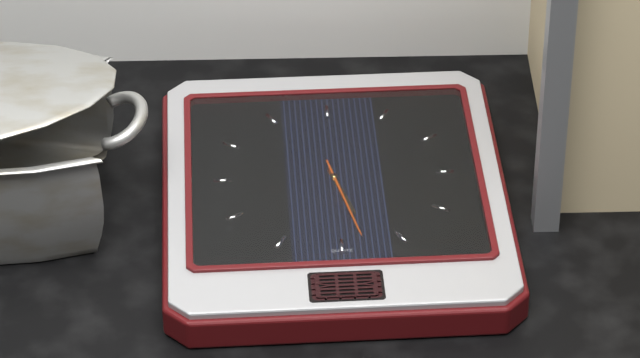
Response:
5.28.28
